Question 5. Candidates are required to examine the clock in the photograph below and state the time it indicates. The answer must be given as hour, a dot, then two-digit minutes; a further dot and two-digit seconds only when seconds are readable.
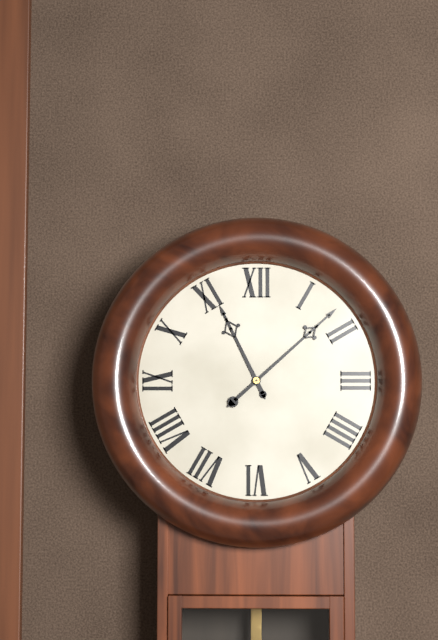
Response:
11.08
